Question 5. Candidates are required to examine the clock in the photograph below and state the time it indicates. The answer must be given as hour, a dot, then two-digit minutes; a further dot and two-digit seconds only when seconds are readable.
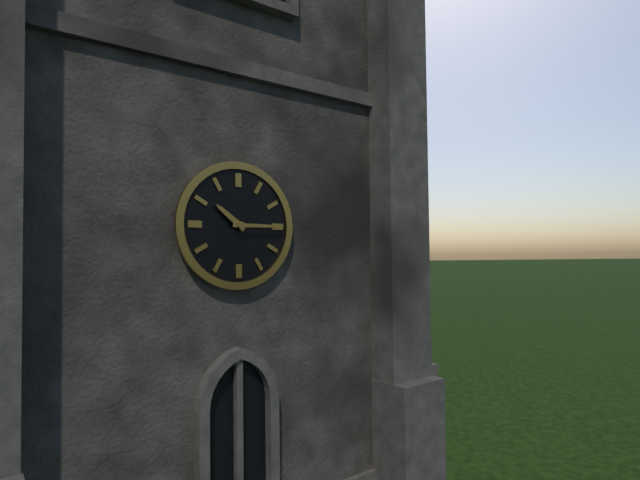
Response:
10.15
